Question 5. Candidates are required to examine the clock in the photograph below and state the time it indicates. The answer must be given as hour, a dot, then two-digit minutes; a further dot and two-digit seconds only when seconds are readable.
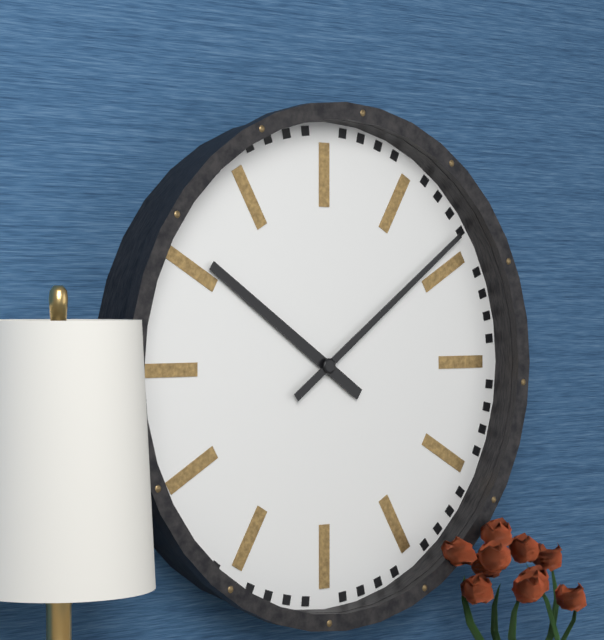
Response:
10.09
